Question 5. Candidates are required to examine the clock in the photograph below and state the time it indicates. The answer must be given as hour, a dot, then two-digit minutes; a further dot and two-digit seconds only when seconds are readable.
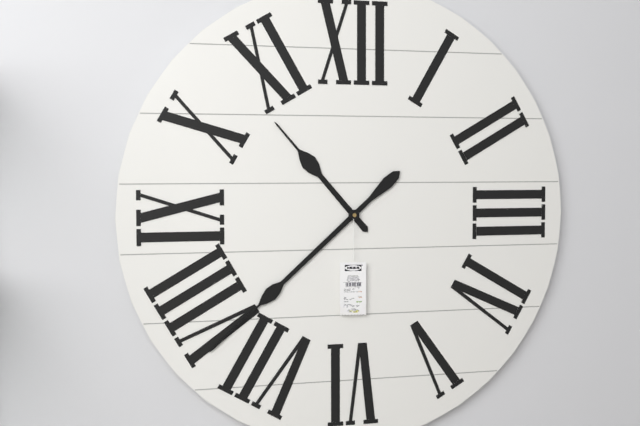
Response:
10.38
